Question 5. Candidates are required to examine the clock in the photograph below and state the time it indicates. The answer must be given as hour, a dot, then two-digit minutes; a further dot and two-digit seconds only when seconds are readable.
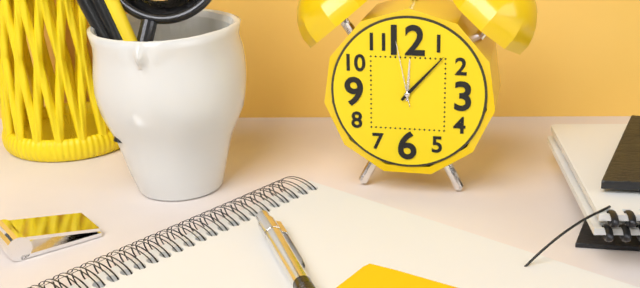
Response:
12.07.58
